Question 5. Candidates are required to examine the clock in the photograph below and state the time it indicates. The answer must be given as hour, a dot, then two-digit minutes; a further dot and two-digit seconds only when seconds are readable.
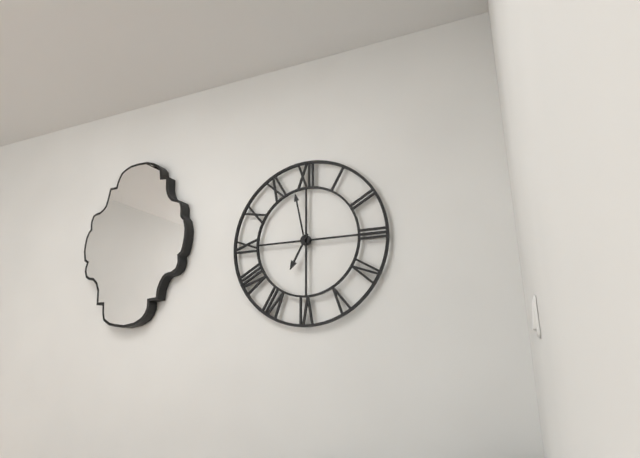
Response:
6.58
